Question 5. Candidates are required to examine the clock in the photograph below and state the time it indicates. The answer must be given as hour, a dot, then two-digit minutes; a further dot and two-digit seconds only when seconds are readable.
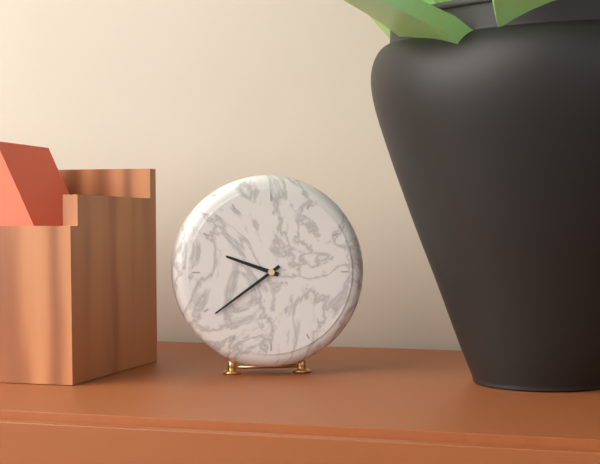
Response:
9.39
